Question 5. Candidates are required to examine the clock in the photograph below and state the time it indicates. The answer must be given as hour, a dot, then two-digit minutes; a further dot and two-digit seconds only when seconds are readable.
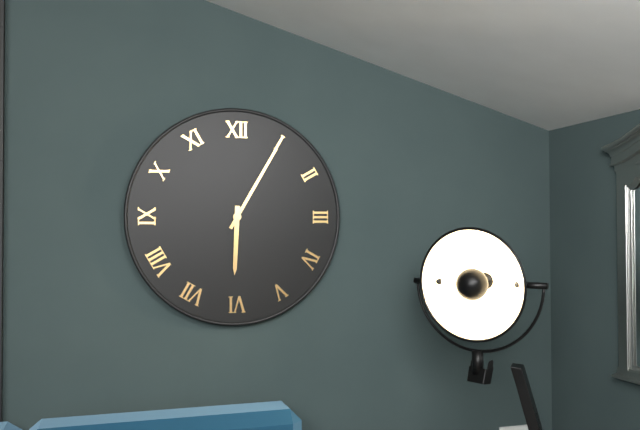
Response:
6.05
